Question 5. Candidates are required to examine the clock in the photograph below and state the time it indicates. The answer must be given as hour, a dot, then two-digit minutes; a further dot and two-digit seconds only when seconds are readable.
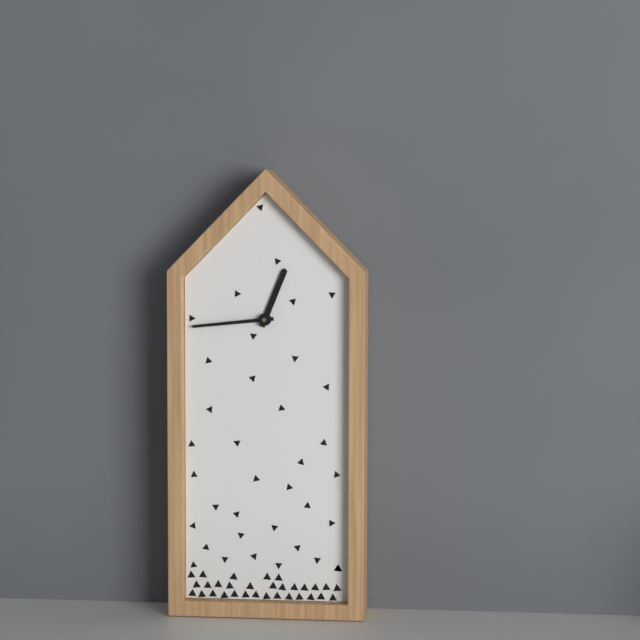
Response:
12.44
